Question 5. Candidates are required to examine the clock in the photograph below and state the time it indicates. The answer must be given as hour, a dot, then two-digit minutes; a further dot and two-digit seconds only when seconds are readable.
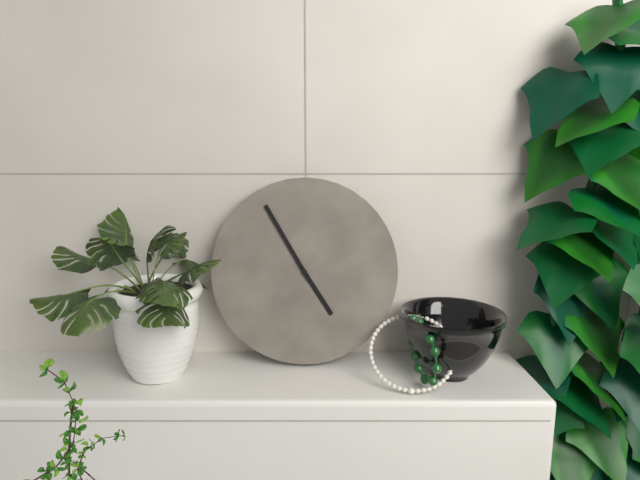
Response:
4.55
